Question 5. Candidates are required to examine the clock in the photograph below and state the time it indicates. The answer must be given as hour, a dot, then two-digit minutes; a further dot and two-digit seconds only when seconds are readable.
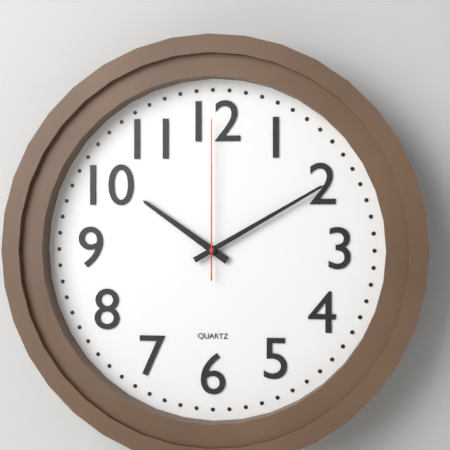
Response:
10.10.00
